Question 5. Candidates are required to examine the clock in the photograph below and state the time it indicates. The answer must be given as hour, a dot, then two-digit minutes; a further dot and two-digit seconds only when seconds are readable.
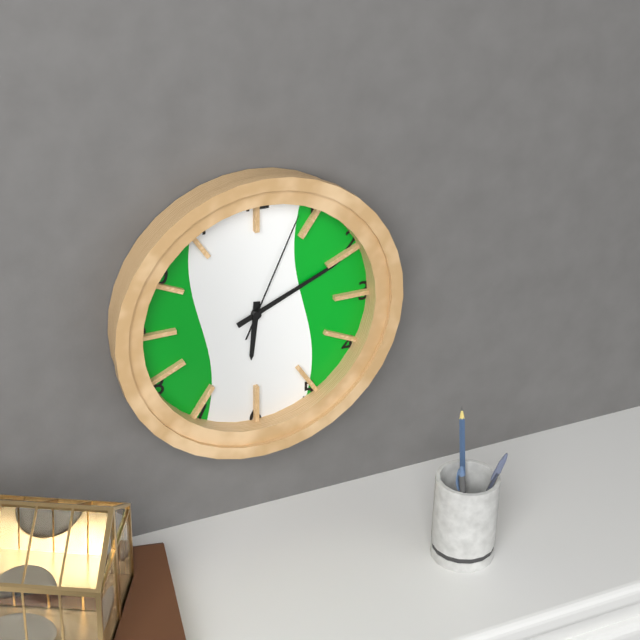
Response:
6.11.04
